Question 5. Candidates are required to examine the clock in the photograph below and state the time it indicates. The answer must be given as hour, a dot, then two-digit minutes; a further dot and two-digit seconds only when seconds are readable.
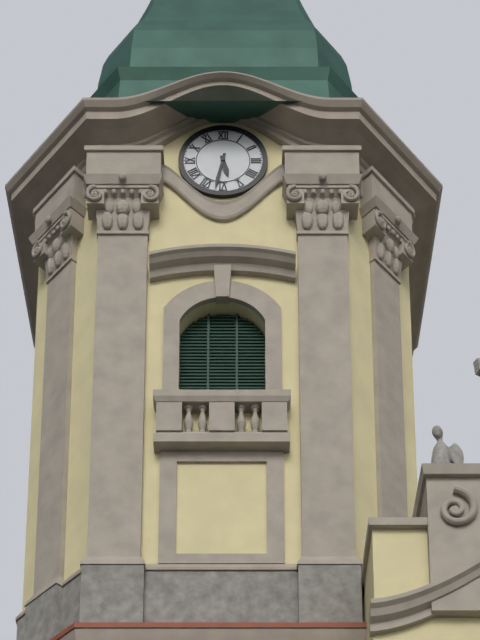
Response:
5.32
